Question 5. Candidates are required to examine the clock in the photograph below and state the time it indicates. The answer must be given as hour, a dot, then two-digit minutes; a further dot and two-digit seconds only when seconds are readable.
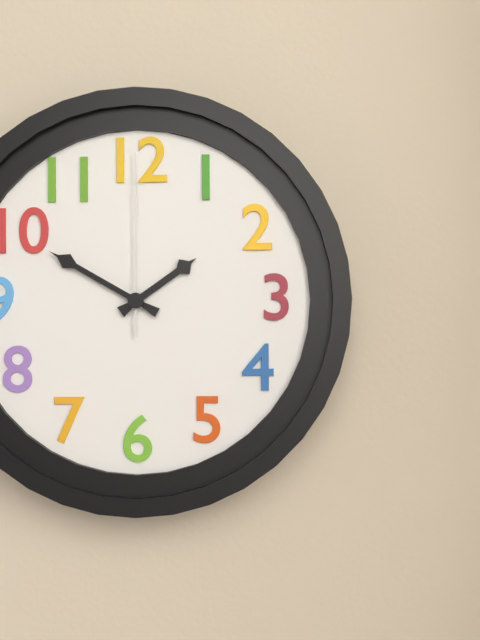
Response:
1.50.00
